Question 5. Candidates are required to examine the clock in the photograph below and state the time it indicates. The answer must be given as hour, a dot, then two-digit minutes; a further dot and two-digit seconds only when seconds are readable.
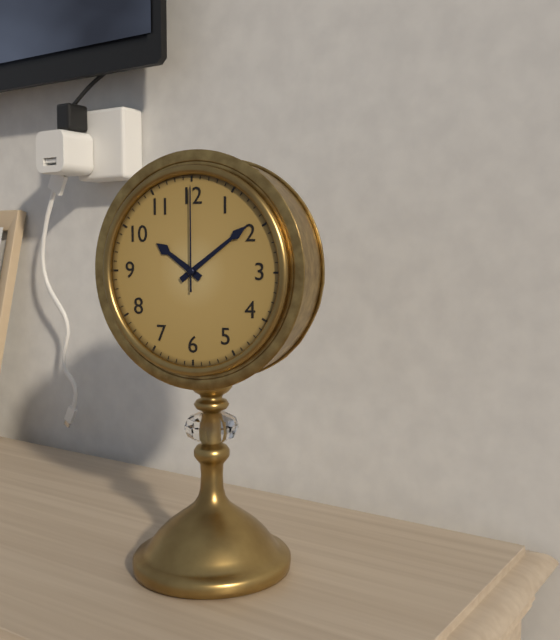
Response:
10.09.00
